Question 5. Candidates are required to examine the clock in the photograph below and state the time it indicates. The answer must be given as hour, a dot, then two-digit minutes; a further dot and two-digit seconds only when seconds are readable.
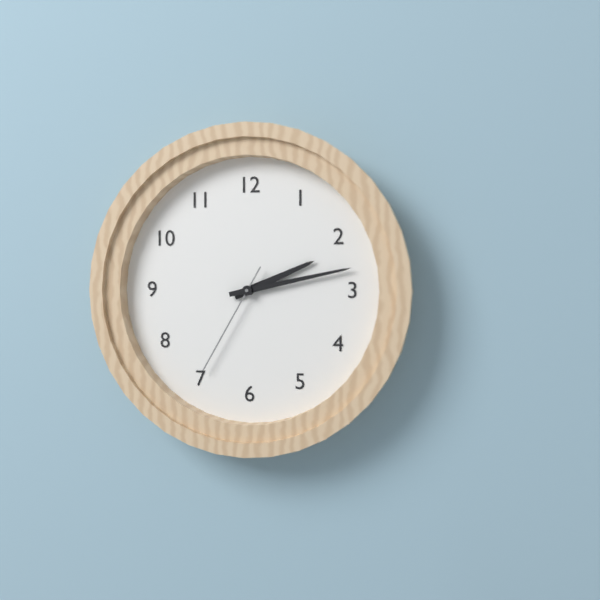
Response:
2.13.35
